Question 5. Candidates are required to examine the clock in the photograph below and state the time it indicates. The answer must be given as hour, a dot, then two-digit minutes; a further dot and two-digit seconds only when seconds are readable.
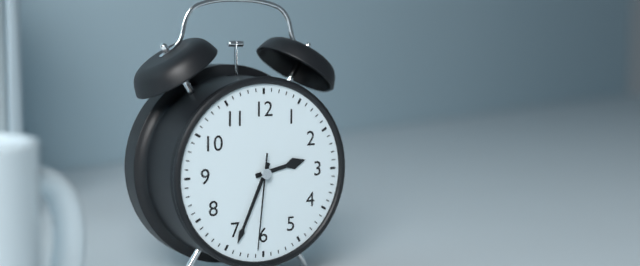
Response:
2.34.31
